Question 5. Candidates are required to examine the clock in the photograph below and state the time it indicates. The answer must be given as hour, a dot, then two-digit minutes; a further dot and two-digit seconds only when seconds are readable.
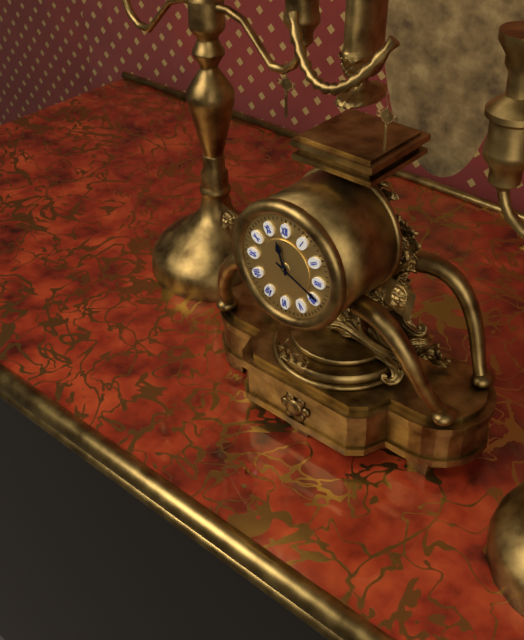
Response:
11.19
